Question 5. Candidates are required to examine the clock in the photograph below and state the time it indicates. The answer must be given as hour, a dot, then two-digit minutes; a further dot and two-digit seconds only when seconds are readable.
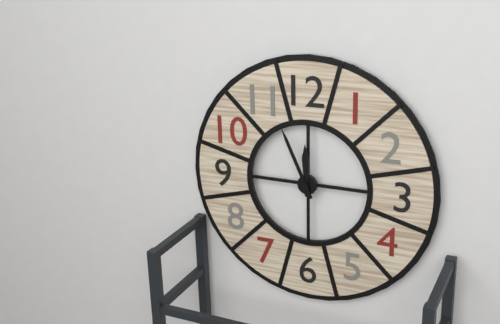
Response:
11.56
